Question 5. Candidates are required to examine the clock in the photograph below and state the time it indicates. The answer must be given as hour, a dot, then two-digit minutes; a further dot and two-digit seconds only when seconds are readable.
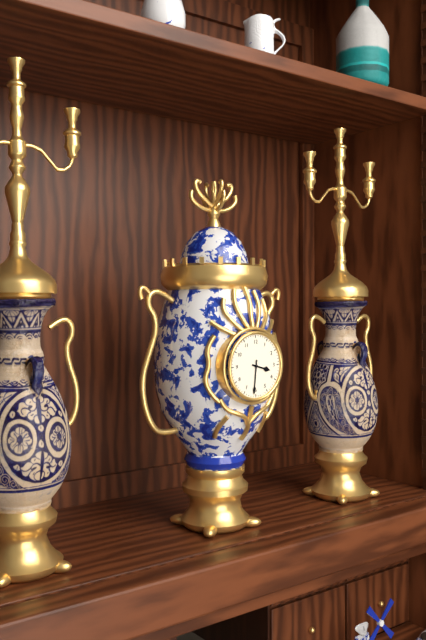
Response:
3.31
